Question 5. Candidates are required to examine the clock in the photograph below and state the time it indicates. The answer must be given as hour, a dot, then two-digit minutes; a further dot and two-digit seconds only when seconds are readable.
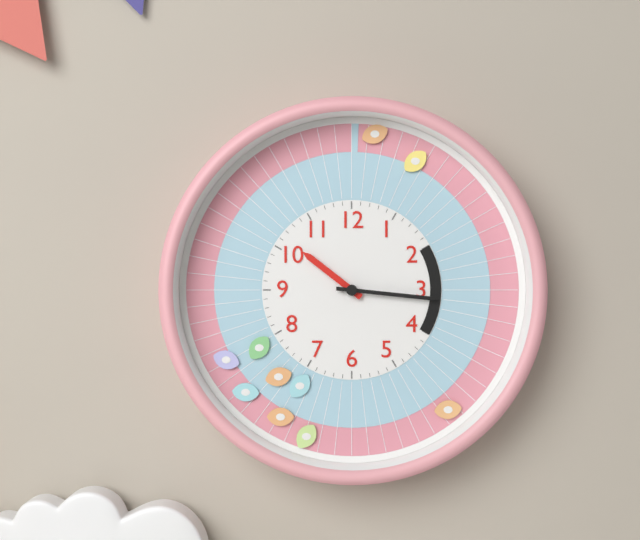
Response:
10.16
